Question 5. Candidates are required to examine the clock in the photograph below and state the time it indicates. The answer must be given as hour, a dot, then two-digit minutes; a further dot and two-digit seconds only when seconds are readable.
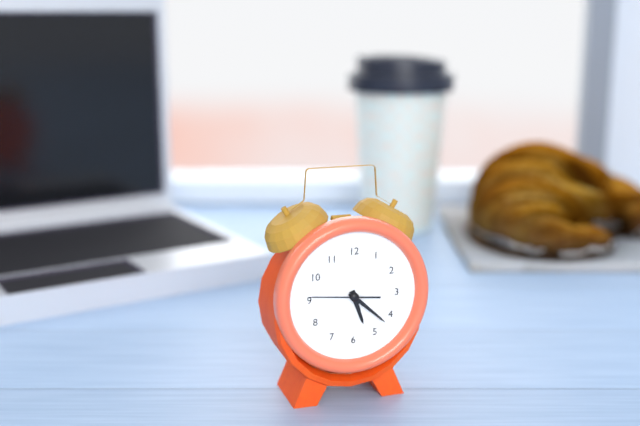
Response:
5.22.46
